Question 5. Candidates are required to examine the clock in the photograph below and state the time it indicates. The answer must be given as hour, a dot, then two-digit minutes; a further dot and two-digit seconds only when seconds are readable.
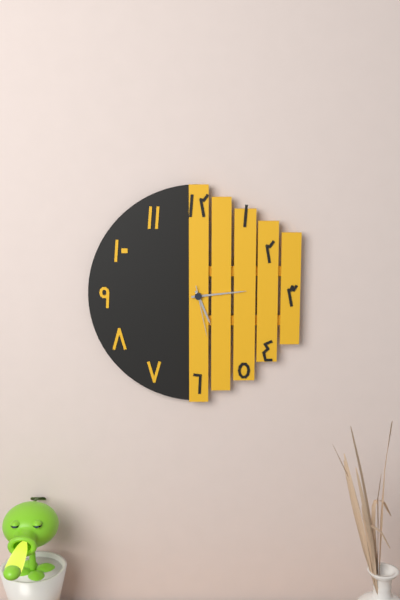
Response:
5.14.28
